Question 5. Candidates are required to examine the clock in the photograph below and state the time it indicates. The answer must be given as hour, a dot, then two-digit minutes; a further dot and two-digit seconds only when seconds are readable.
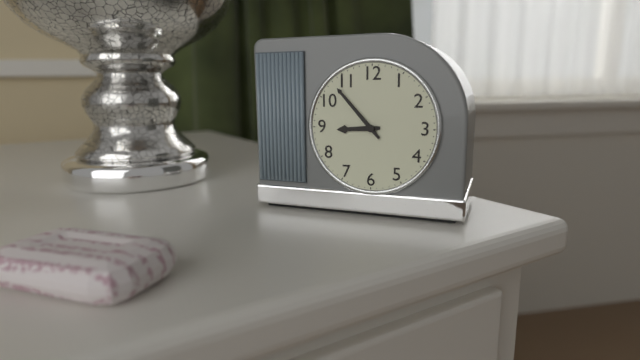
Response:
8.53
